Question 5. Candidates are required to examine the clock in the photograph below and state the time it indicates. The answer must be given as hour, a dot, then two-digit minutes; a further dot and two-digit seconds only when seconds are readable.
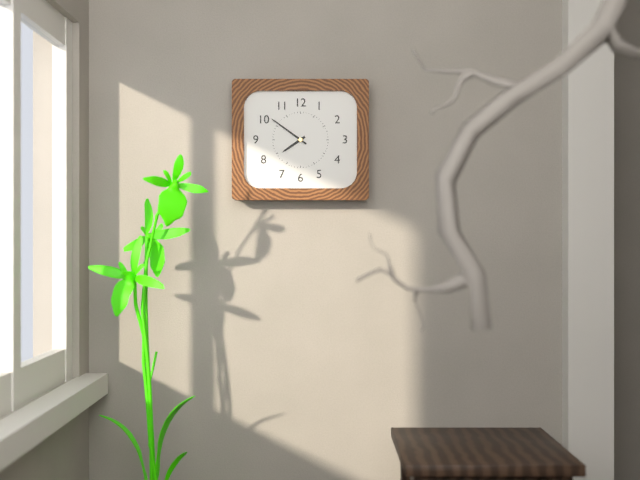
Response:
7.51
